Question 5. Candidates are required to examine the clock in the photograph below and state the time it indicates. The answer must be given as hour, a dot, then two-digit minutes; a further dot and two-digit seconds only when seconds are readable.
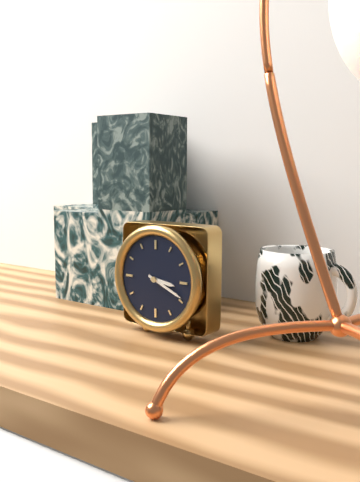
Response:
3.19
